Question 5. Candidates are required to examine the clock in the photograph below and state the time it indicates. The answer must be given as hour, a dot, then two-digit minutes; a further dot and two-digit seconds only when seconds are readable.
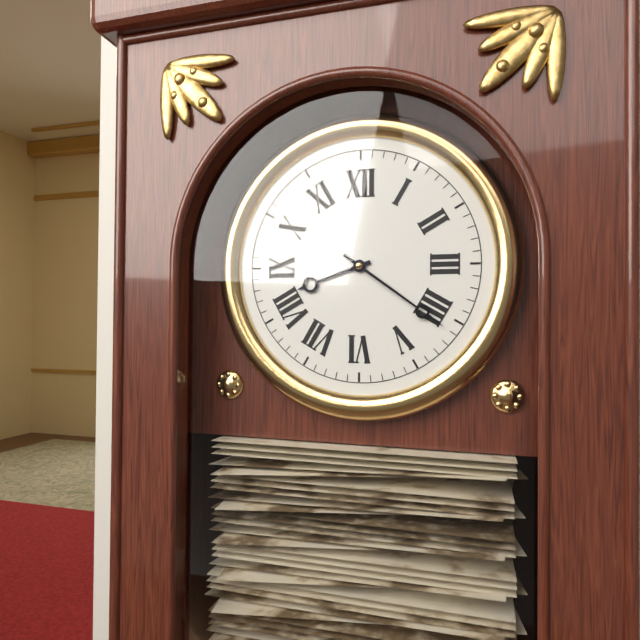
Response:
8.21
